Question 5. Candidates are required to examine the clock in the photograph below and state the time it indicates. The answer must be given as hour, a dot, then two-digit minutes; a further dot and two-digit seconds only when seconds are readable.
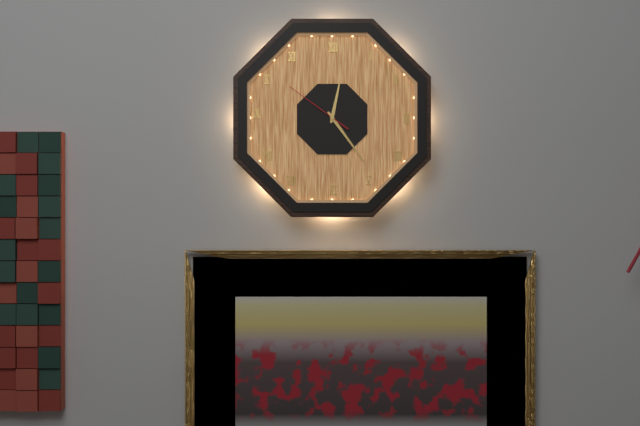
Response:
12.24.51
